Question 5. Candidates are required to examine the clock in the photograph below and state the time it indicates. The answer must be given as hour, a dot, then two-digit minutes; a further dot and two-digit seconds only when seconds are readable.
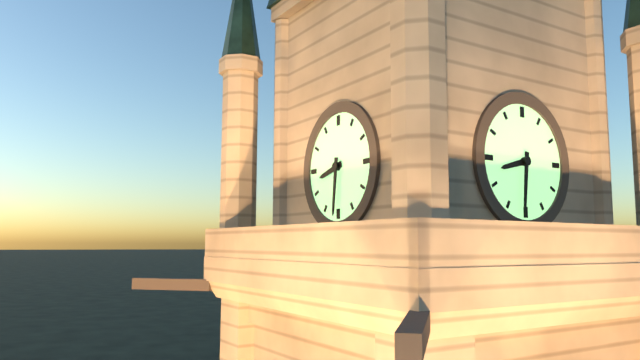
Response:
8.31
